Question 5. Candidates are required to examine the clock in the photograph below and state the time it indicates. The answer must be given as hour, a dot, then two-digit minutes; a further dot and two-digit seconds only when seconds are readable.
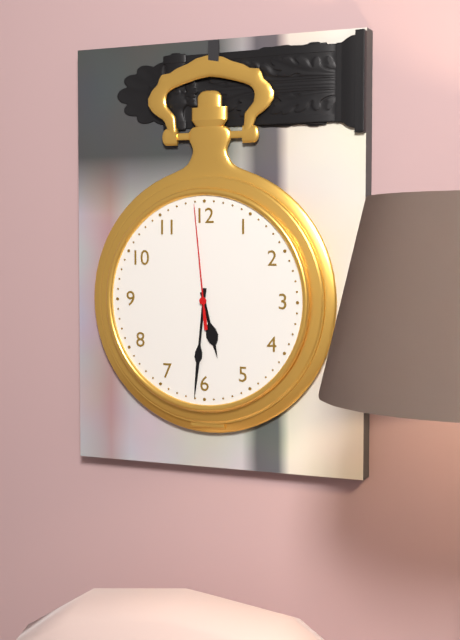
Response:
5.31.59
